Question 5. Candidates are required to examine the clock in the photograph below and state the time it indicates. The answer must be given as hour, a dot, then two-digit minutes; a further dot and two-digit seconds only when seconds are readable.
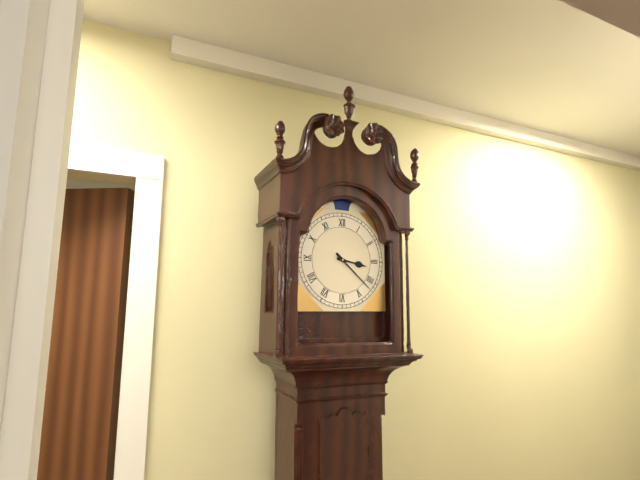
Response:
3.22
